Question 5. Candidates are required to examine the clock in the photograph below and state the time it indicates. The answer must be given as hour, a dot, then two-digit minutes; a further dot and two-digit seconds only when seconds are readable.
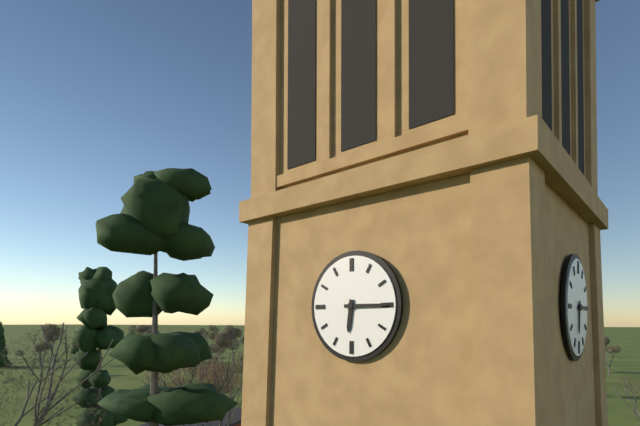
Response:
6.15
